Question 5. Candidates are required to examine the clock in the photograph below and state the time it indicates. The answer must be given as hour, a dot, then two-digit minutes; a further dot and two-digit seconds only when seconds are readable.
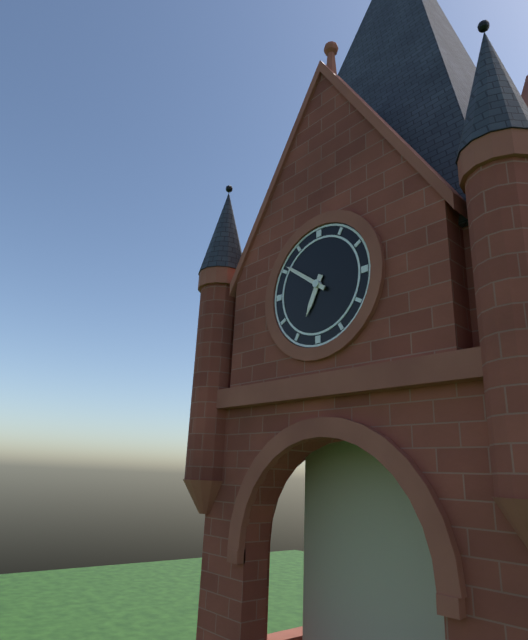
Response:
6.51
